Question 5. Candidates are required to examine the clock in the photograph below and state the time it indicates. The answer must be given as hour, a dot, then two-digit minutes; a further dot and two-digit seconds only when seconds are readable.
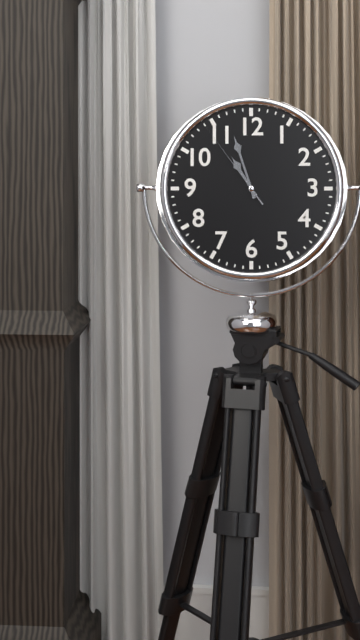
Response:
10.57.54
